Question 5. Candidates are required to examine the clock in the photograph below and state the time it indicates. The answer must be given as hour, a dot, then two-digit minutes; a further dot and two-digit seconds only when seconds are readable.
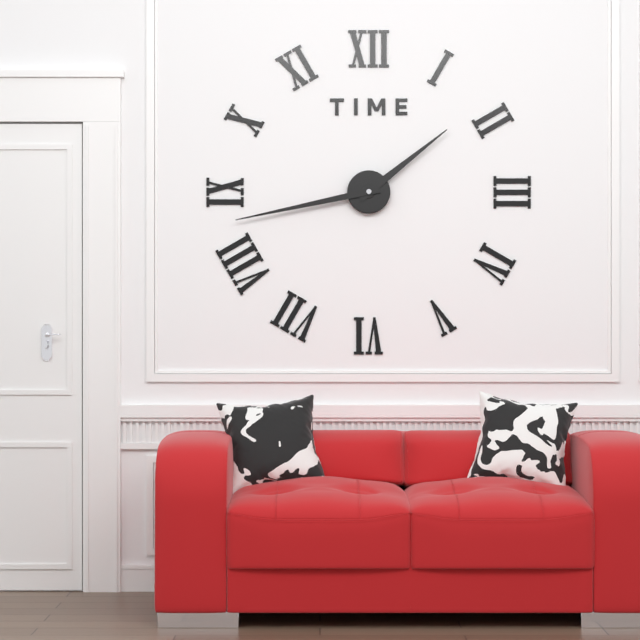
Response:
1.43
